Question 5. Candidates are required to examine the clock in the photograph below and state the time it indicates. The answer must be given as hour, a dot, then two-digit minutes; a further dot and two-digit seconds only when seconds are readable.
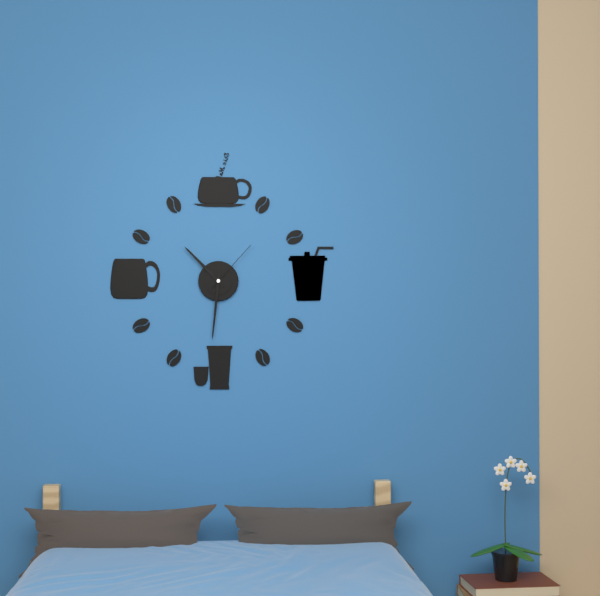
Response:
10.31.07
